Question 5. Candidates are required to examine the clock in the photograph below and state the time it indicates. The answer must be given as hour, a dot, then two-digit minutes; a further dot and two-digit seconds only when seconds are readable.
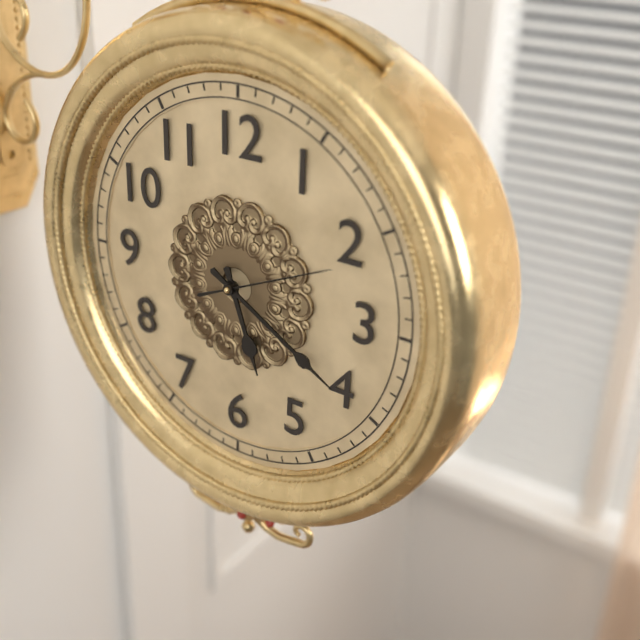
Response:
5.20.11
